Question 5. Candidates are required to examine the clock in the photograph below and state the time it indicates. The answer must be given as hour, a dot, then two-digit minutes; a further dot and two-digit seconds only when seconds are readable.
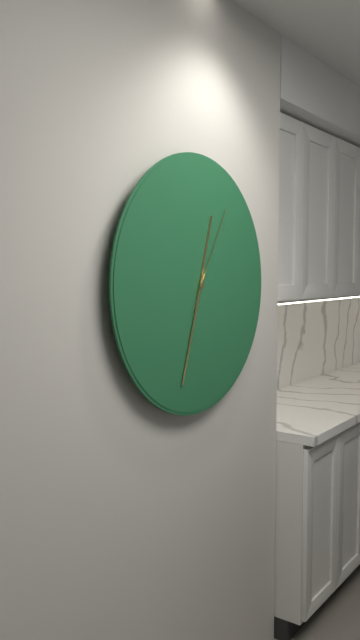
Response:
12.33.05
